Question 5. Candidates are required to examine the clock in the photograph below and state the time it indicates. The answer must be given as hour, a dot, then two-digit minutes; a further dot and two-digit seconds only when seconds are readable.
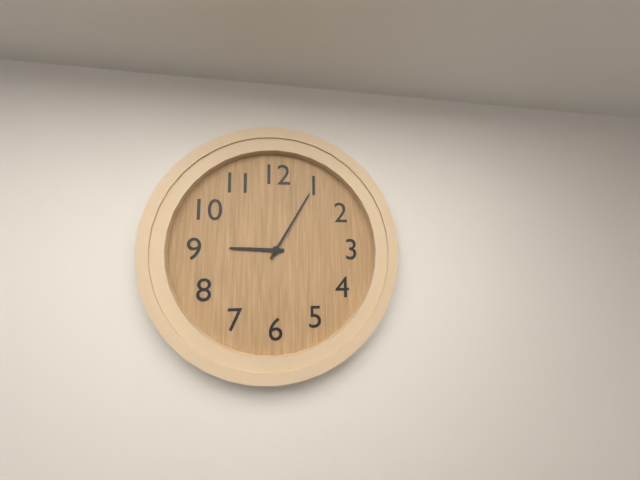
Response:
9.05
